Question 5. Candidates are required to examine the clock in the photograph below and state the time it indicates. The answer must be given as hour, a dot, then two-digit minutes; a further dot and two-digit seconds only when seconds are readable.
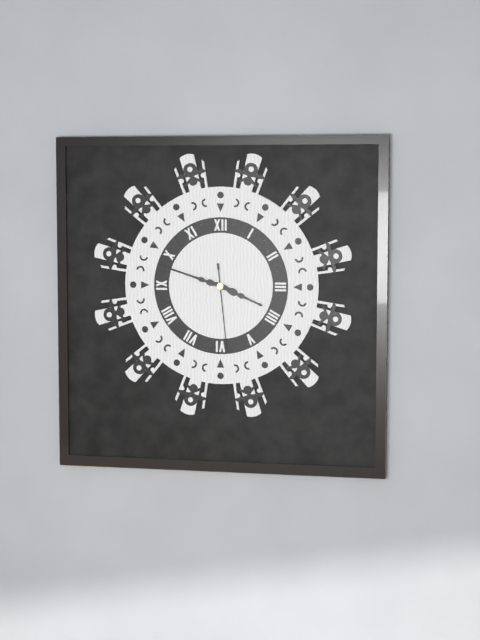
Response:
3.48.29
